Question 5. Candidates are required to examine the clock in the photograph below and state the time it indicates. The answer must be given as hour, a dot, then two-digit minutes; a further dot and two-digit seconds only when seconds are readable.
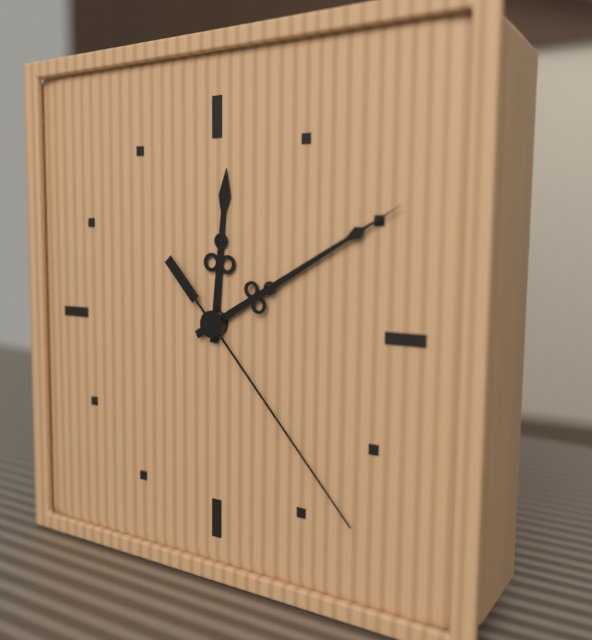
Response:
12.10.23
